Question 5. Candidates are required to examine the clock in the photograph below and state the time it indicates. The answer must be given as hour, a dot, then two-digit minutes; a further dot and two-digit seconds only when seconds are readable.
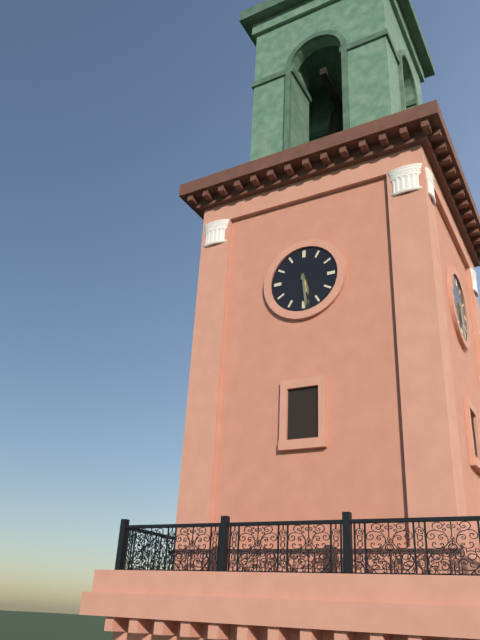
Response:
5.29
